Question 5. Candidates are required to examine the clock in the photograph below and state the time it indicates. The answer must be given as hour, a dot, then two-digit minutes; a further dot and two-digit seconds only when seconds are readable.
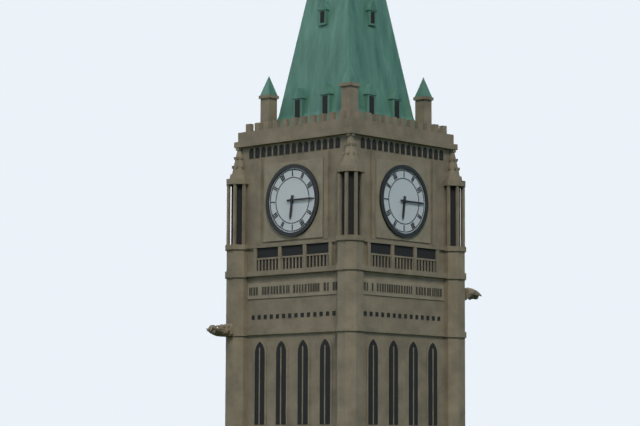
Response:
6.15
